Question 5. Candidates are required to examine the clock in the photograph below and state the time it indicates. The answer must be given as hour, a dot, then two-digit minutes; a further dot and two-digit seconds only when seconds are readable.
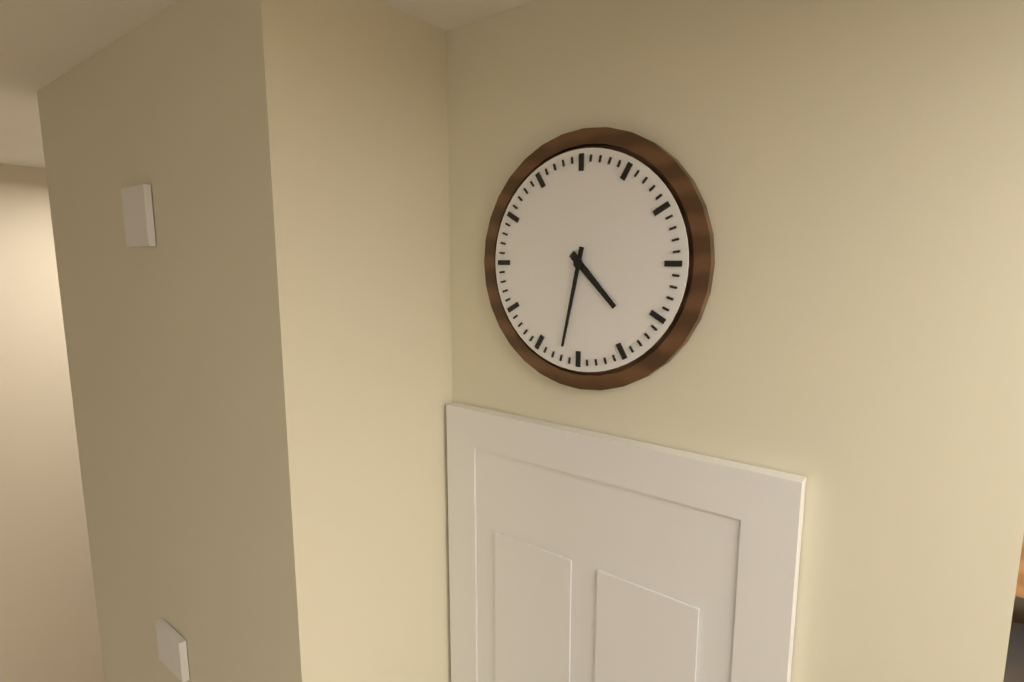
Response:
4.32
